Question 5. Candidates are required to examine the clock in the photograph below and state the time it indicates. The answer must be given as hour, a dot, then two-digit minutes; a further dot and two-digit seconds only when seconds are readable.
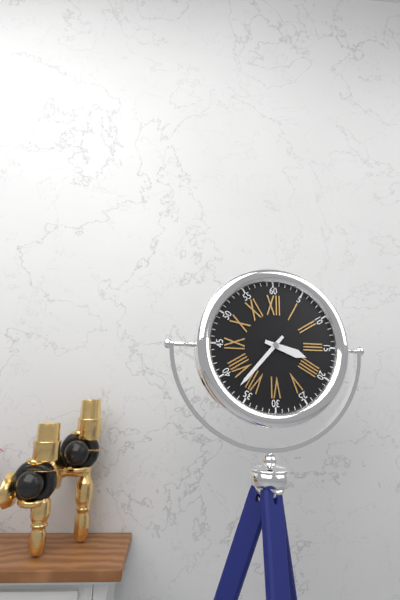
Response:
3.37
